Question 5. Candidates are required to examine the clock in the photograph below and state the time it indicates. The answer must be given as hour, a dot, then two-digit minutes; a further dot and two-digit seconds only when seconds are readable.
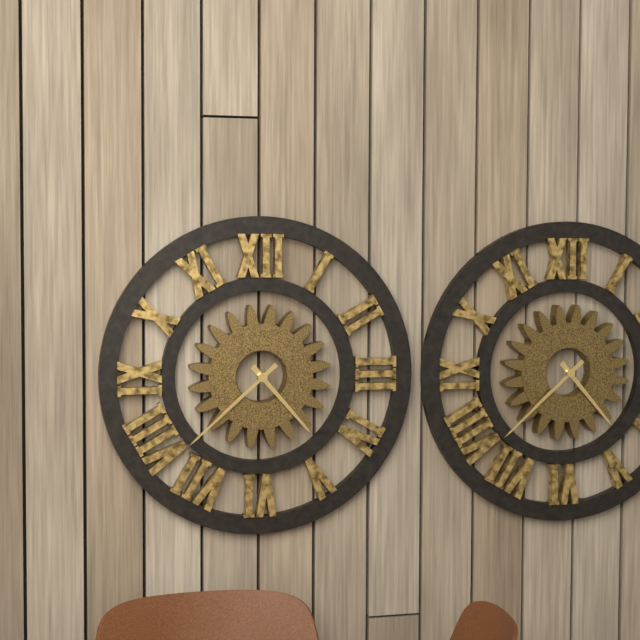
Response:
4.38
